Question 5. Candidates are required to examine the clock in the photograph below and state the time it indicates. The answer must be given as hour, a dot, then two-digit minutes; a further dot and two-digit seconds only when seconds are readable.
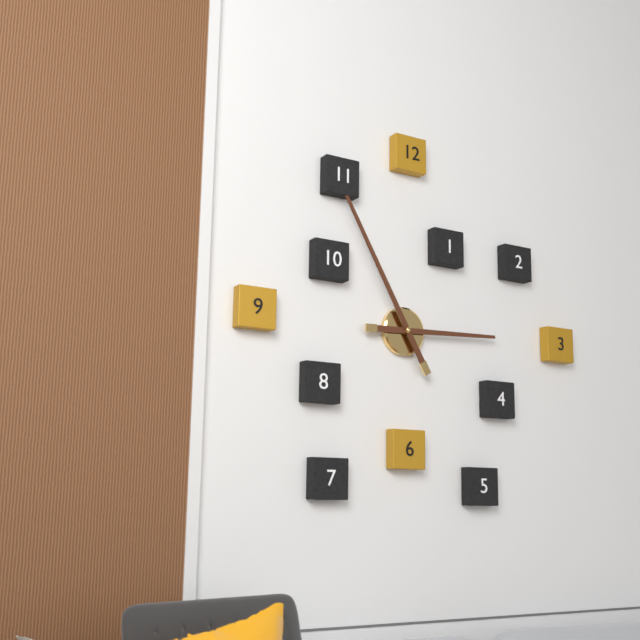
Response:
2.55
